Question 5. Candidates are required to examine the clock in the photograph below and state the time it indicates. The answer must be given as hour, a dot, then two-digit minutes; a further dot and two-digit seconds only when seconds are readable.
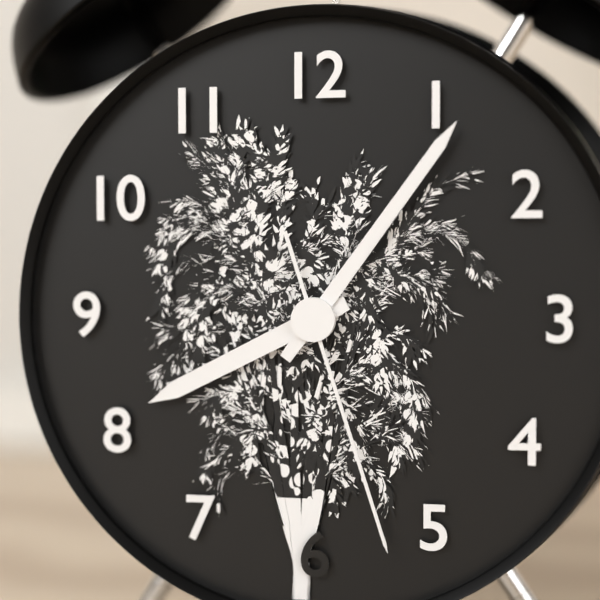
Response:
8.06.27
